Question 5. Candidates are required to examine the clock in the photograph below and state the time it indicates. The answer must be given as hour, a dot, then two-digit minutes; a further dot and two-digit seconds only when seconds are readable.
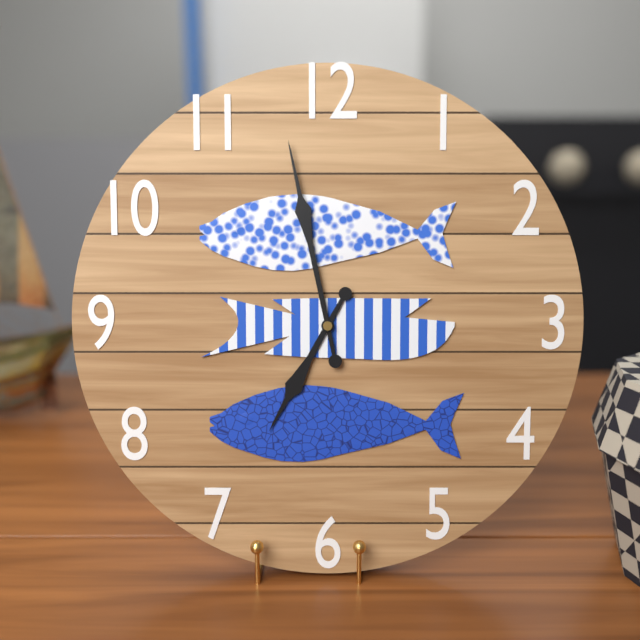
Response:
6.58
